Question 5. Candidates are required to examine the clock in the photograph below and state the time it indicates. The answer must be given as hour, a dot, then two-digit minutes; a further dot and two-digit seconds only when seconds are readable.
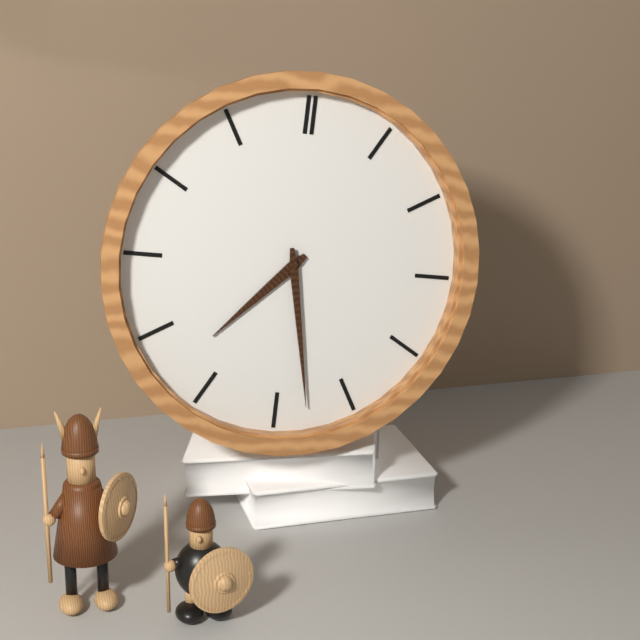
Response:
7.28
